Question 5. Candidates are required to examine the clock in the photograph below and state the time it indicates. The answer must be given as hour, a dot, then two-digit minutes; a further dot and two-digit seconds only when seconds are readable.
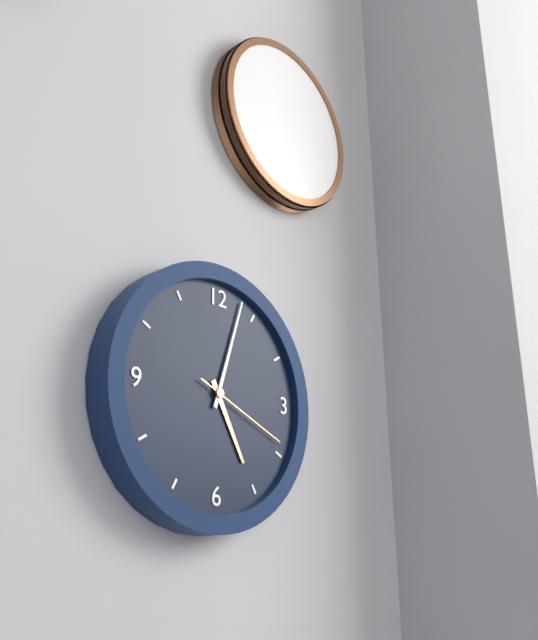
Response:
5.03.19
